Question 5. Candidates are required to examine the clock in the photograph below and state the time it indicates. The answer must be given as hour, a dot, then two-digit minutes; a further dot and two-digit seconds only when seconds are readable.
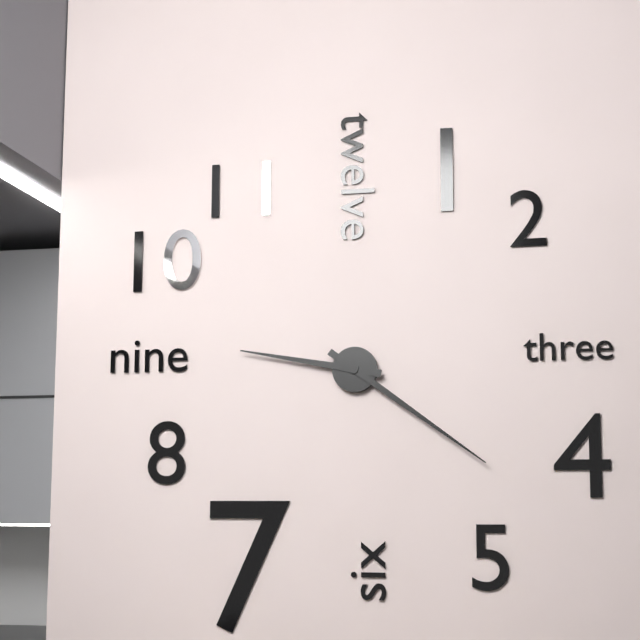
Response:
9.21
